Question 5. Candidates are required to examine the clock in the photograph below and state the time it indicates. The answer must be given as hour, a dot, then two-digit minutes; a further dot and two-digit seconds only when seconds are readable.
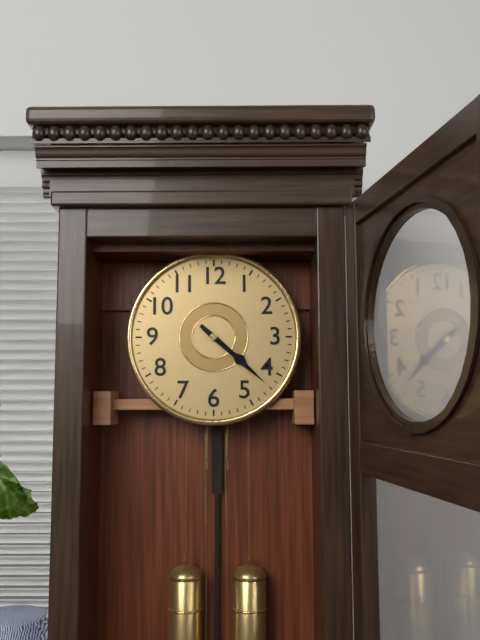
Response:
4.22
